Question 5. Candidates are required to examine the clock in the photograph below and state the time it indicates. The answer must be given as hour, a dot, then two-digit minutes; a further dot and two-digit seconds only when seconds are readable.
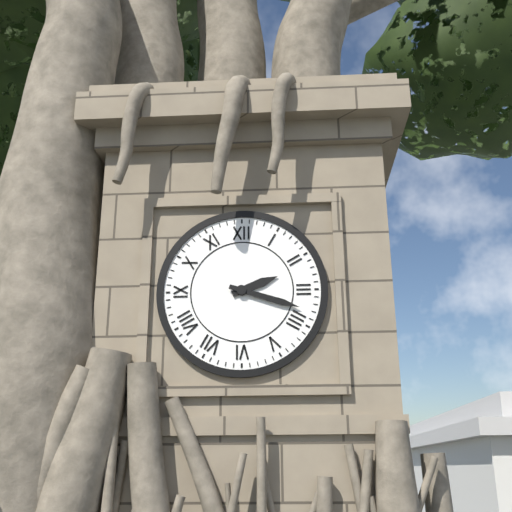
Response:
2.18
